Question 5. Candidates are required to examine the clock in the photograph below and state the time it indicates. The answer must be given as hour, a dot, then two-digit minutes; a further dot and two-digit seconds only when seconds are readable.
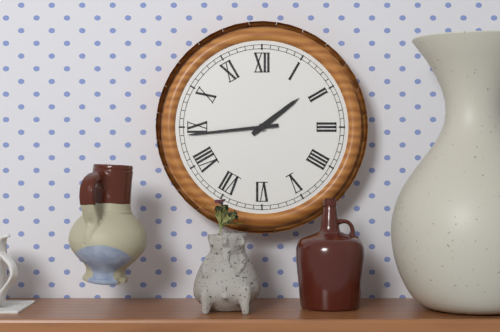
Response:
1.44
